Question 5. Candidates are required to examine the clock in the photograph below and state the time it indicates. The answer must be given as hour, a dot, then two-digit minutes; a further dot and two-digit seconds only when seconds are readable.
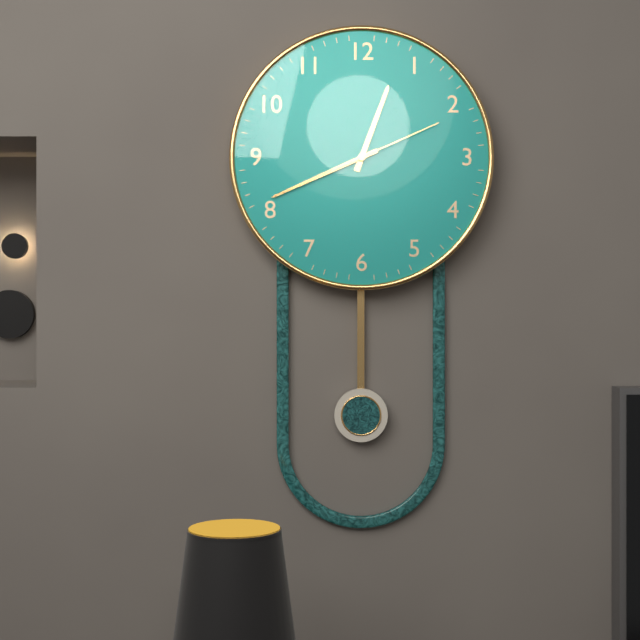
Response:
12.41.11
